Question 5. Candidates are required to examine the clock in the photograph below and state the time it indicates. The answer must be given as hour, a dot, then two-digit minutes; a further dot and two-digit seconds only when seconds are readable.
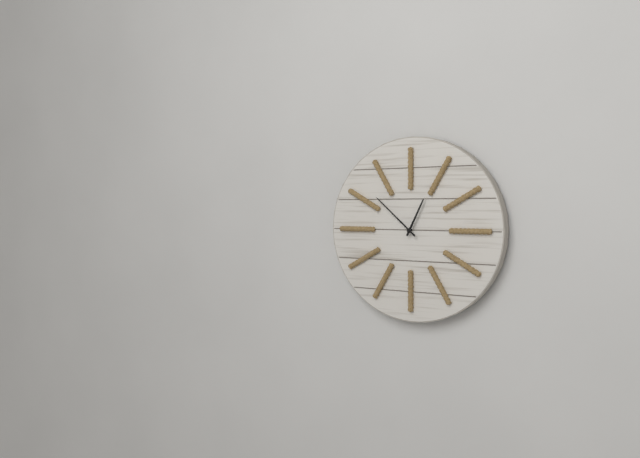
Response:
12.52
